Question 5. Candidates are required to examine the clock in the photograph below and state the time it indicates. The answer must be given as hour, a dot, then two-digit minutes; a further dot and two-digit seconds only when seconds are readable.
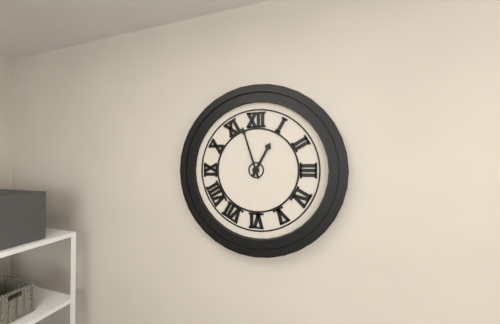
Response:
12.57
